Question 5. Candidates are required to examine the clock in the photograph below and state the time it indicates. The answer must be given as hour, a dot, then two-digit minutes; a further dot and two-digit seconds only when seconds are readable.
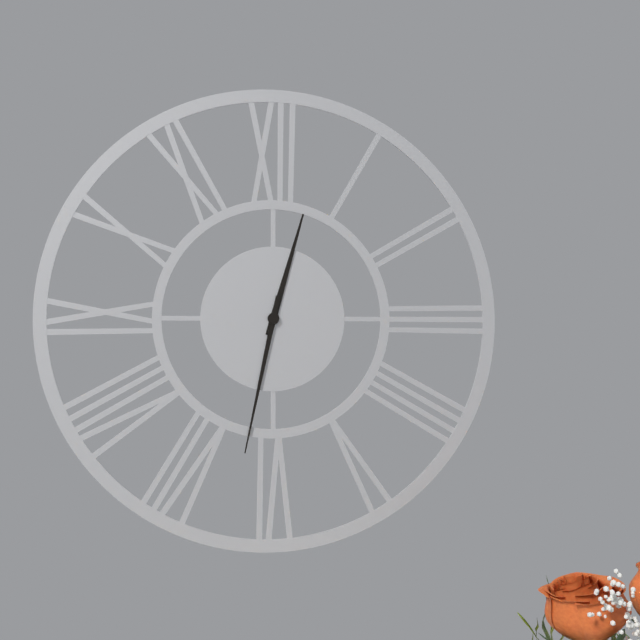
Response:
12.32
